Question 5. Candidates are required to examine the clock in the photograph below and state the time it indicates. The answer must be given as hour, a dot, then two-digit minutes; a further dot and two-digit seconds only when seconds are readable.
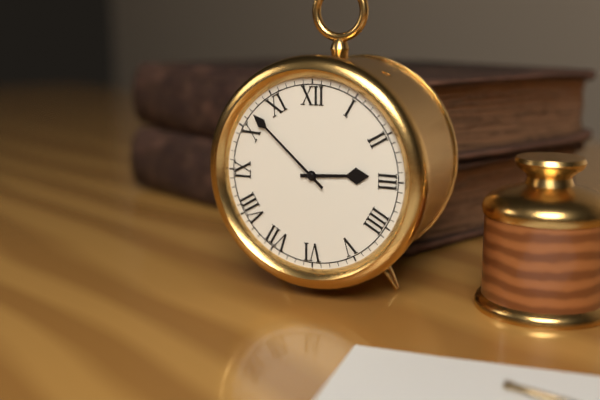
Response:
2.52
